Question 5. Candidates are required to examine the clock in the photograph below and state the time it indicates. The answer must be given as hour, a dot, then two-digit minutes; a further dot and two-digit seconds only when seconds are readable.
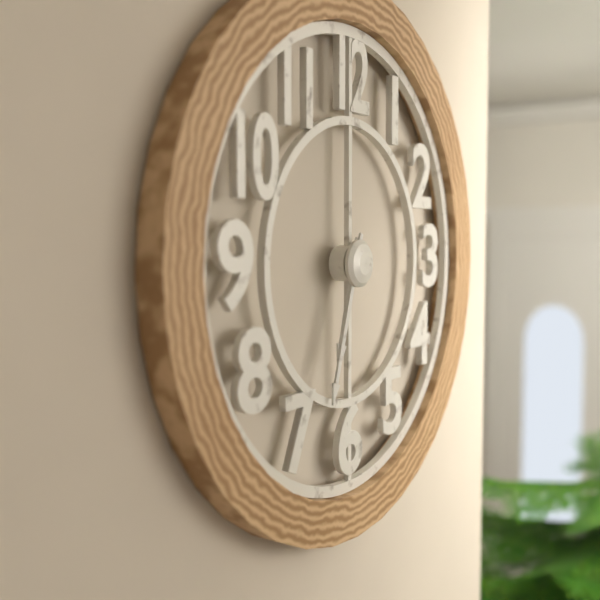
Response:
6.33
